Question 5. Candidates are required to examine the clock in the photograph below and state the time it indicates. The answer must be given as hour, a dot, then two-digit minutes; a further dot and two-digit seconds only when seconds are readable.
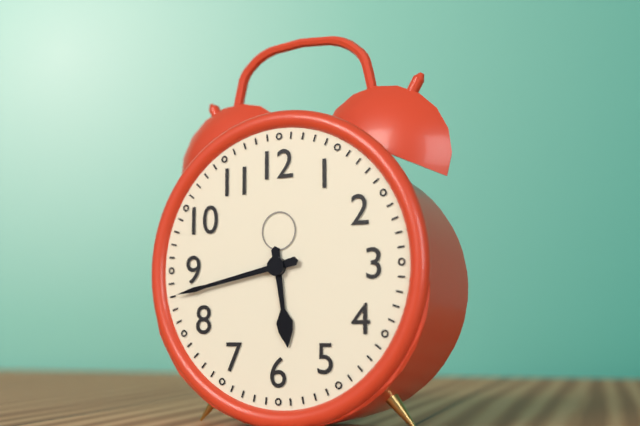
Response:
5.43
